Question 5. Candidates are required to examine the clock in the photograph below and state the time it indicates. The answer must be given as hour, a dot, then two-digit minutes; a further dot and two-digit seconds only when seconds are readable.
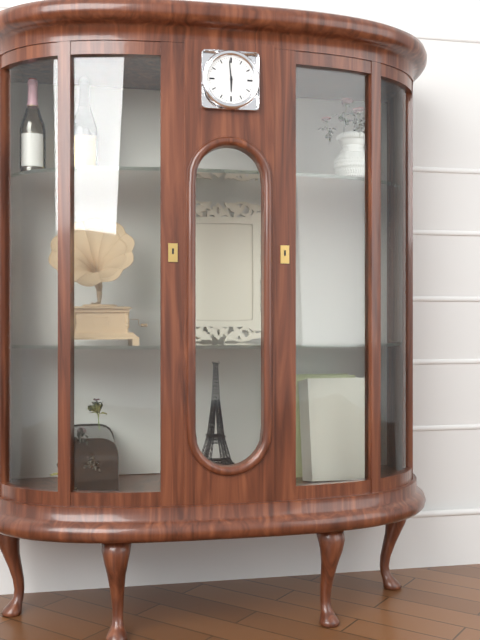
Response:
5.59
